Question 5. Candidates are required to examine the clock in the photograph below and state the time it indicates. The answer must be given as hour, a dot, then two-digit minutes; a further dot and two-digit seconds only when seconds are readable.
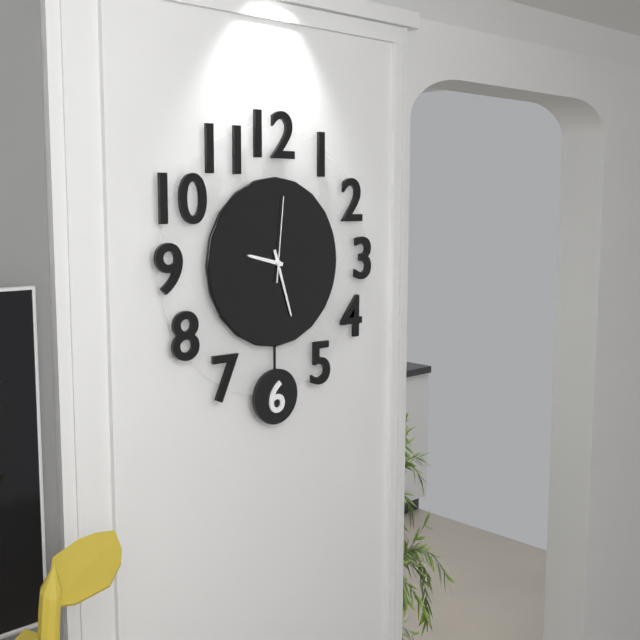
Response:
9.27.01
